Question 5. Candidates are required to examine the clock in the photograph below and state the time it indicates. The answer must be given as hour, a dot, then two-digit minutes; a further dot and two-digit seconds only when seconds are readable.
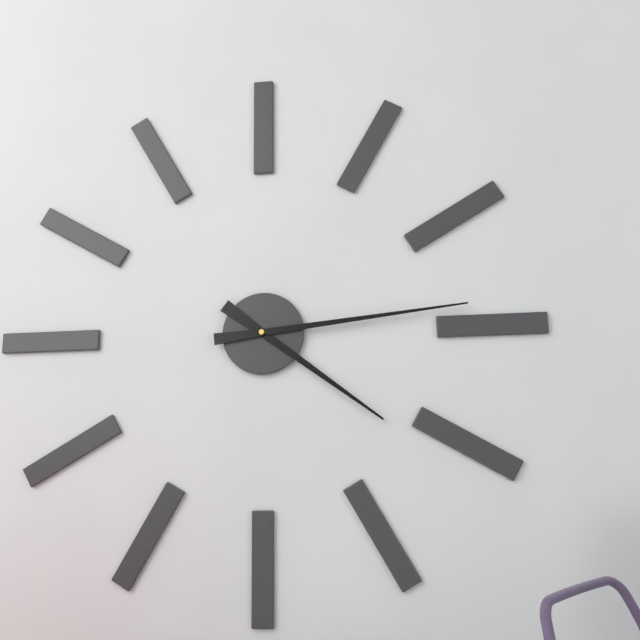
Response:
4.14
